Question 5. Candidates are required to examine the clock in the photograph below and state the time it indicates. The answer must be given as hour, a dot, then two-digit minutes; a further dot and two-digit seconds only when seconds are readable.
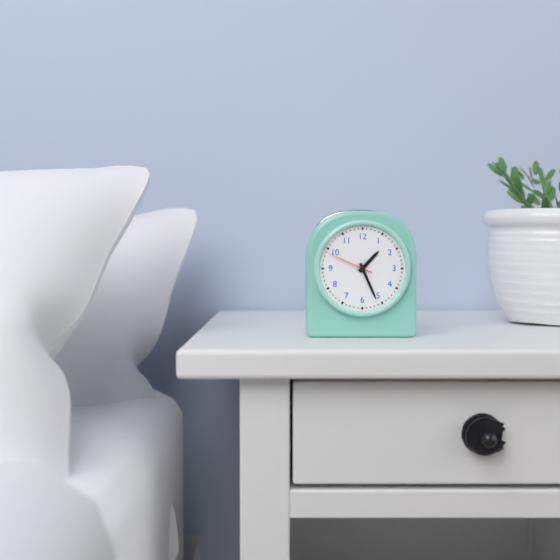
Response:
1.26
